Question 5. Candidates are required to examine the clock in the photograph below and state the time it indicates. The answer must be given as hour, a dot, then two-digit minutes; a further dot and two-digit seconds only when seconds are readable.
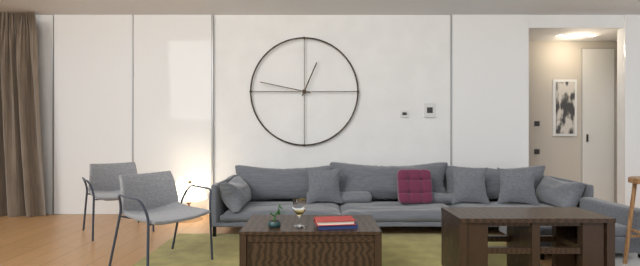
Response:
12.47
